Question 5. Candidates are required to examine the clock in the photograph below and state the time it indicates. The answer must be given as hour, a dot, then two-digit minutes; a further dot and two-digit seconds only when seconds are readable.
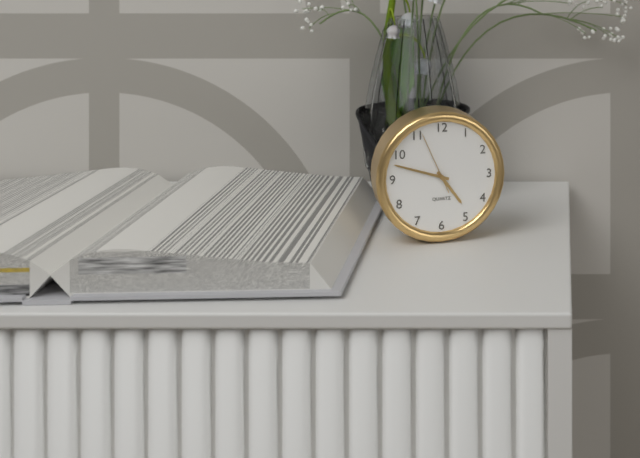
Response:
4.48.56
